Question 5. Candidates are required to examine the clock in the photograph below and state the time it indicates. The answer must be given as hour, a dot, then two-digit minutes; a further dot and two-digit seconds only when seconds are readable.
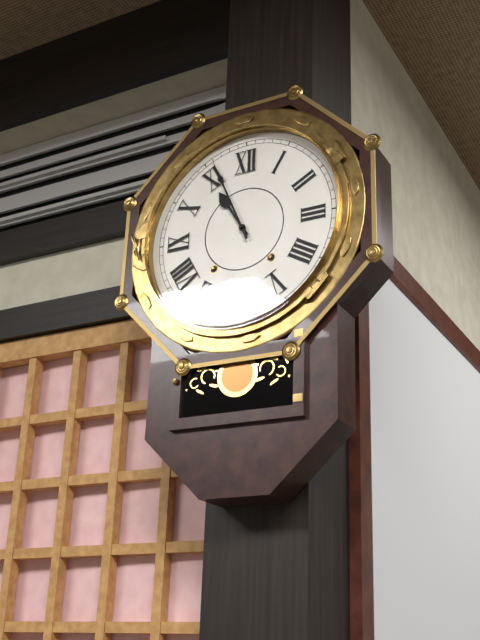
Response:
10.56
